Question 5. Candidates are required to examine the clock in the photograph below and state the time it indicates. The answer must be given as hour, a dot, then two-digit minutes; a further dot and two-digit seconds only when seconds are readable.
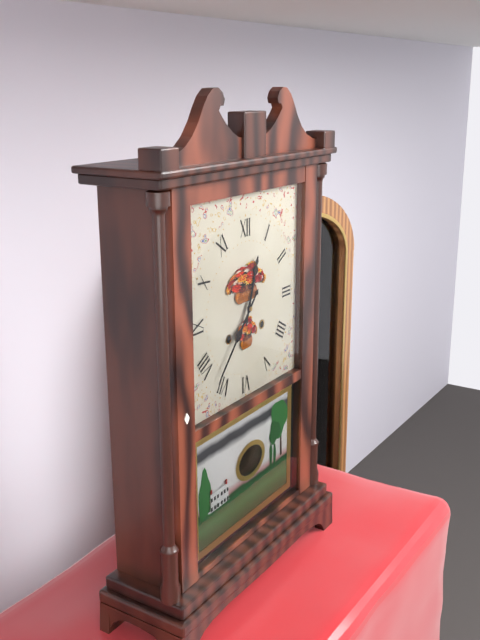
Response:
12.37
